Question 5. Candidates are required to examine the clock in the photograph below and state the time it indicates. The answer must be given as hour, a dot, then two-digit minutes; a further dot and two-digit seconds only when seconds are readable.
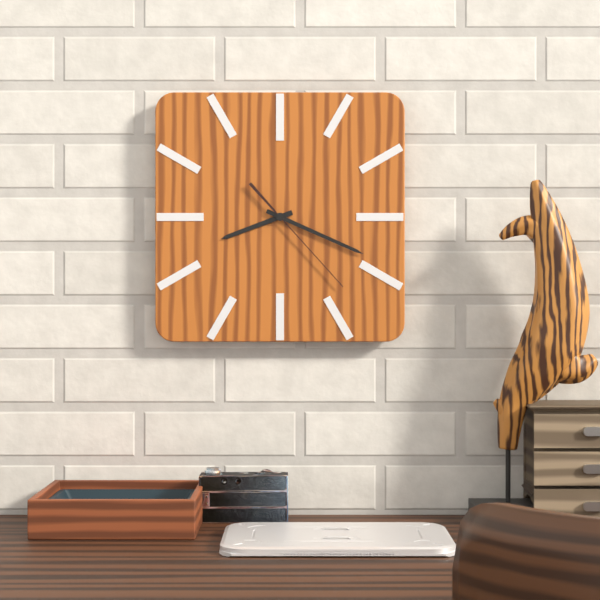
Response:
8.19.23
